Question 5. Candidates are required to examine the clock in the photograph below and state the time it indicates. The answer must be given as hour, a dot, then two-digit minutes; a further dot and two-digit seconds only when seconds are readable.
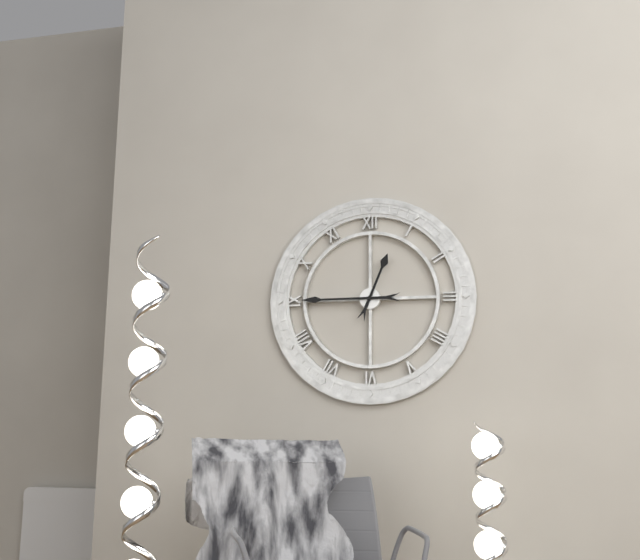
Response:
12.45
